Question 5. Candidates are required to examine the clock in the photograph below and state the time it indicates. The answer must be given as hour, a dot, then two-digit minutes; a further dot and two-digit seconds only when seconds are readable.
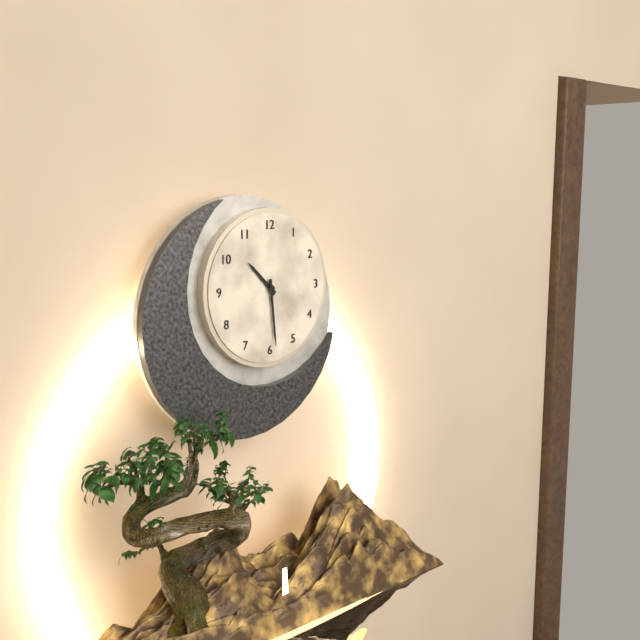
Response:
10.29
